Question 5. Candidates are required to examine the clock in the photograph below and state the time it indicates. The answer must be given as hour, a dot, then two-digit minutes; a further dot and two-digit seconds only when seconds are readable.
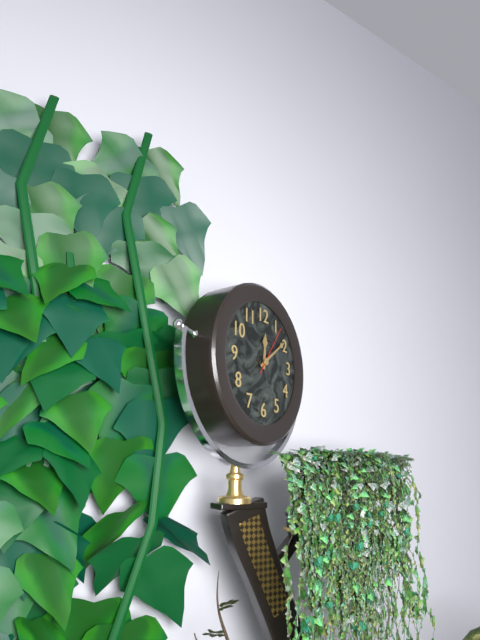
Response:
12.09
